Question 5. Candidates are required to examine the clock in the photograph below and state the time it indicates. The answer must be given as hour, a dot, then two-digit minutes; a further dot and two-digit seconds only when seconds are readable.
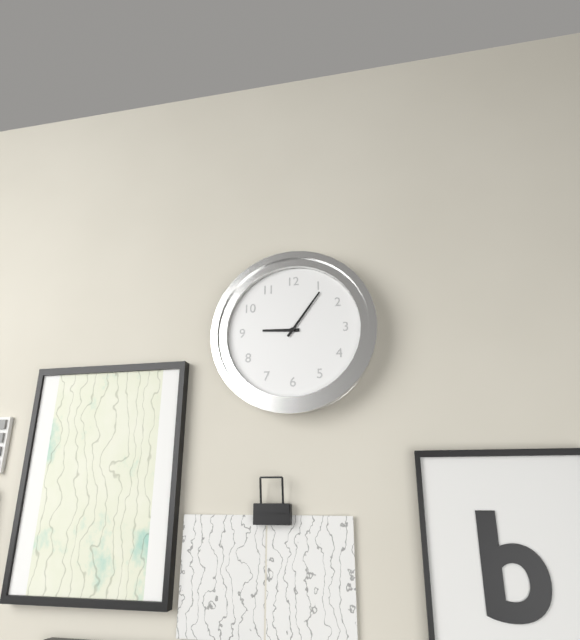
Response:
9.06
